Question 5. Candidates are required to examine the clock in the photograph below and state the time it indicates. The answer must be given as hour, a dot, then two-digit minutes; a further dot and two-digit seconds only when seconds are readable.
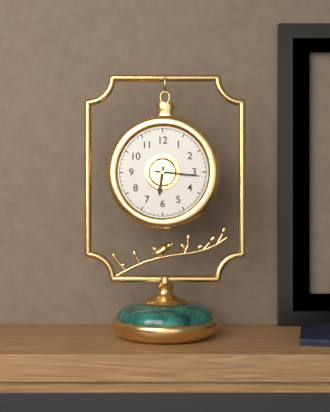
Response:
6.16
